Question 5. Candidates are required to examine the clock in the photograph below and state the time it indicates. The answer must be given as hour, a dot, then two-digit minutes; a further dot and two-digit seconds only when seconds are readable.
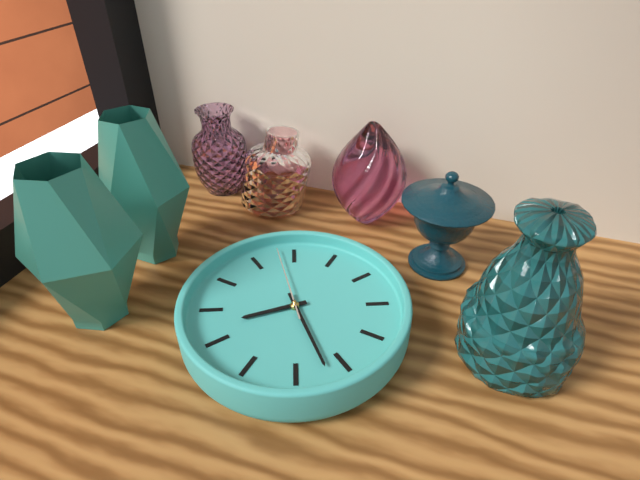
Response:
8.27.58
